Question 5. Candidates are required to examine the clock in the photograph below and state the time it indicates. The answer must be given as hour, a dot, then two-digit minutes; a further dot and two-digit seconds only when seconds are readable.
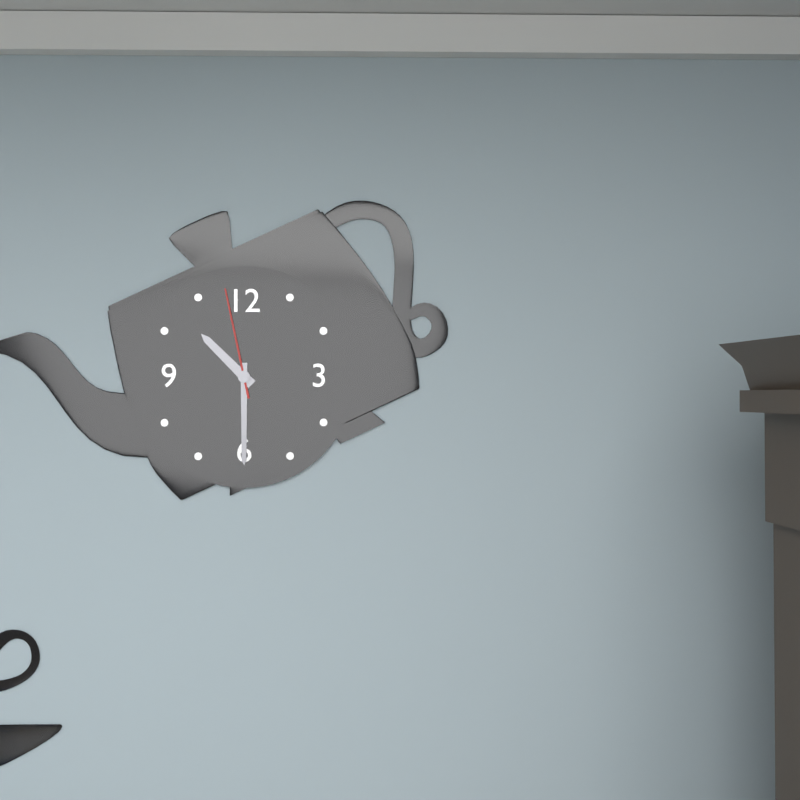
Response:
10.30.58
